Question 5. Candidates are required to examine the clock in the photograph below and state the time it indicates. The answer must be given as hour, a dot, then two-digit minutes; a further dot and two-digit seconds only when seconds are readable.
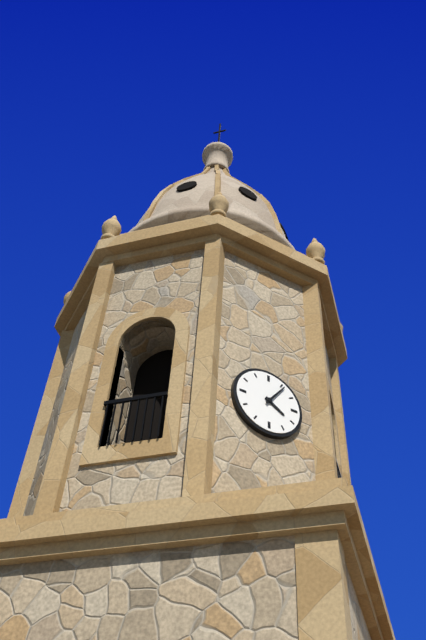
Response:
4.06
